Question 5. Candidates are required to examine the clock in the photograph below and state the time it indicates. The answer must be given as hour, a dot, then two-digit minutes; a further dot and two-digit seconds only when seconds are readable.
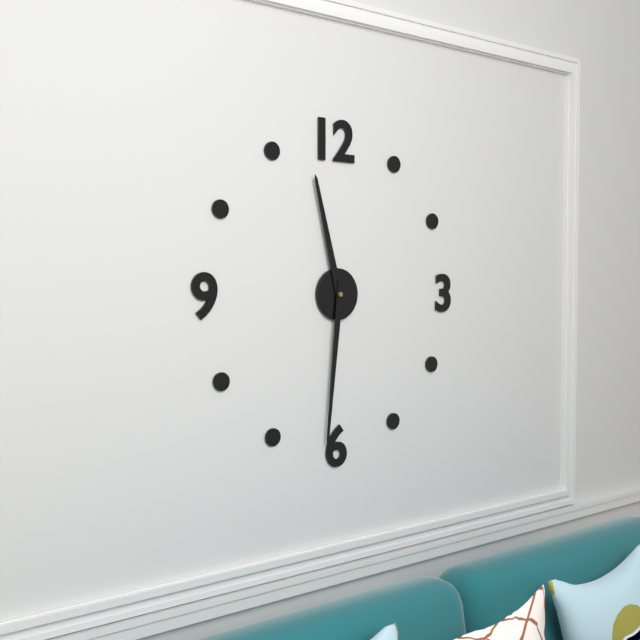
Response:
11.31
